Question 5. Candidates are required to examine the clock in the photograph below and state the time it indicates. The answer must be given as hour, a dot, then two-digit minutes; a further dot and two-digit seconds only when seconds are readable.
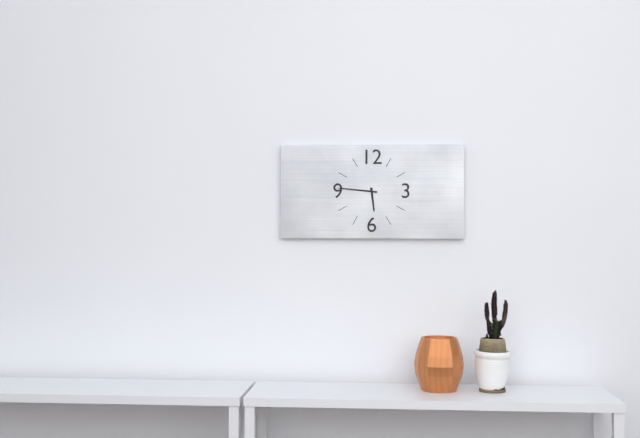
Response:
5.46
